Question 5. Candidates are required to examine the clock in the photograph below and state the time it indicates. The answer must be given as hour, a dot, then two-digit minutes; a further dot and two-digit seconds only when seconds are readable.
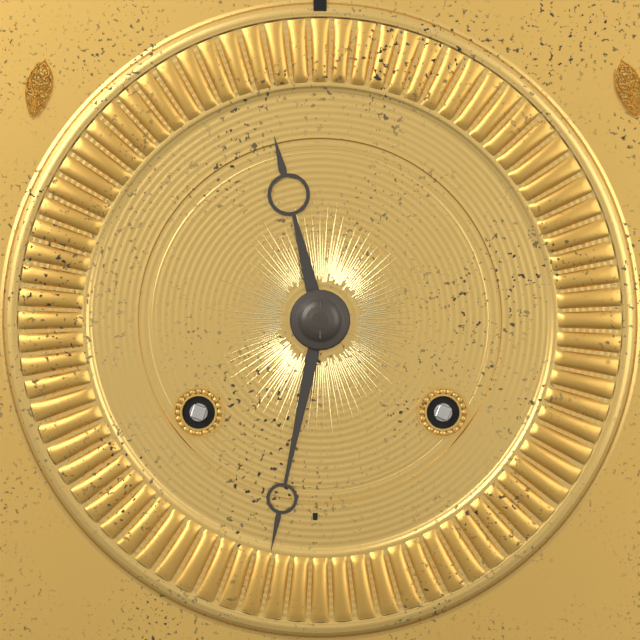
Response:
11.32
